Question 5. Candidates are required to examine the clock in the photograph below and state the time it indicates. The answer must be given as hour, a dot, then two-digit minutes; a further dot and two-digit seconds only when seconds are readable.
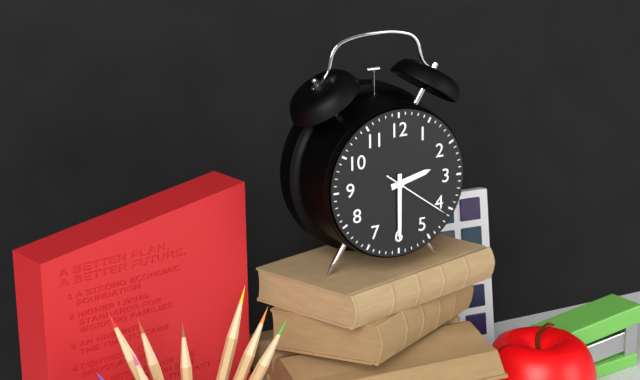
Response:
2.30.21
